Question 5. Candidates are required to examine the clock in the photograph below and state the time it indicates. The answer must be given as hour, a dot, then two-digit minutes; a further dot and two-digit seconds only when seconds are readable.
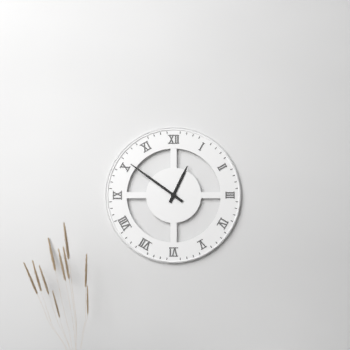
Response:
12.51
